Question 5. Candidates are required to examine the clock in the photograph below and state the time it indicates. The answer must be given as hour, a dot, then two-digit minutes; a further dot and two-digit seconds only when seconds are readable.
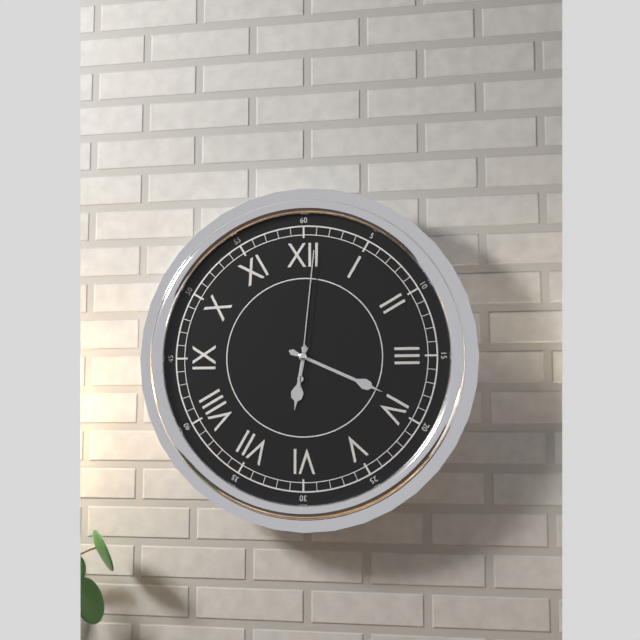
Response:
6.19.01
